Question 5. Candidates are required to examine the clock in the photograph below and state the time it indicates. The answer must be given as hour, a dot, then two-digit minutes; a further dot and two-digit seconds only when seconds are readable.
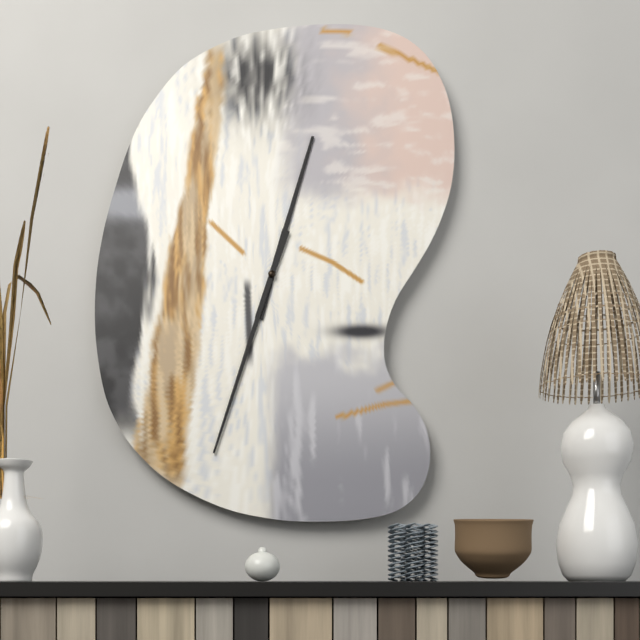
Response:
12.33
